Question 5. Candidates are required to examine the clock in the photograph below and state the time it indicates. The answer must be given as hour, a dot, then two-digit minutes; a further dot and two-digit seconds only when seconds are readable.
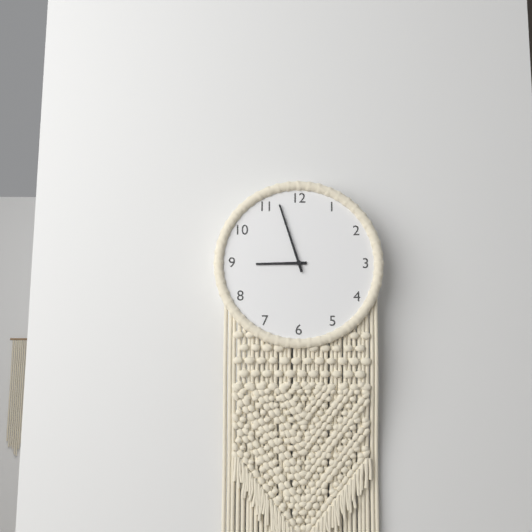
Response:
8.57
